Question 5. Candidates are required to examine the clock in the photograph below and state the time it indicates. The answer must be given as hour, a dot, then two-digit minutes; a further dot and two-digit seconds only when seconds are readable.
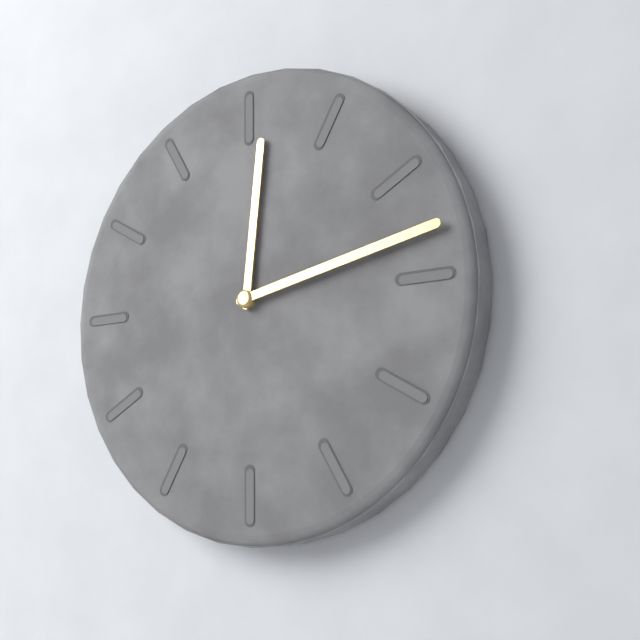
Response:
12.13
